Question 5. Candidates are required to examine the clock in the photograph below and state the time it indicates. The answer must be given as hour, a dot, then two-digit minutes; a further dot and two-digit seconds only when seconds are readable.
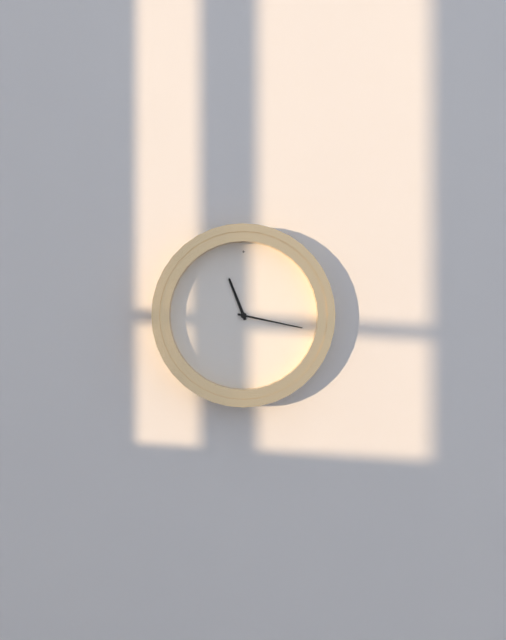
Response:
11.17
